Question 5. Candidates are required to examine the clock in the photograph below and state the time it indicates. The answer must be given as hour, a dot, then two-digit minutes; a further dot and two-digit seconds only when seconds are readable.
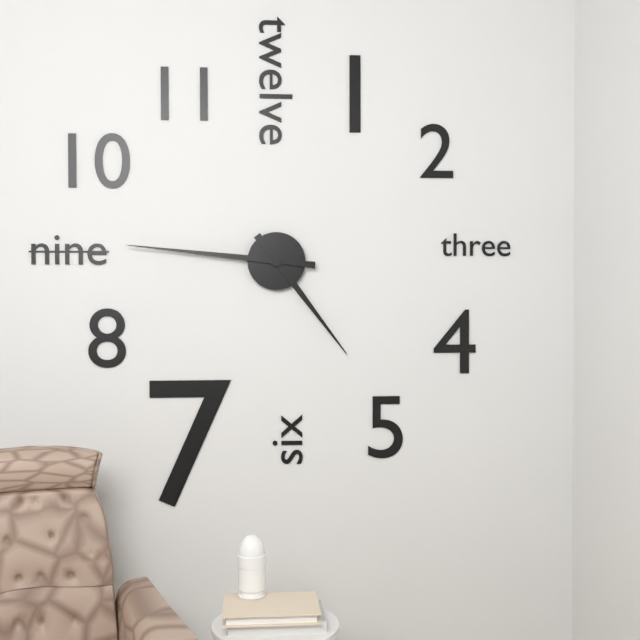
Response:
4.46
